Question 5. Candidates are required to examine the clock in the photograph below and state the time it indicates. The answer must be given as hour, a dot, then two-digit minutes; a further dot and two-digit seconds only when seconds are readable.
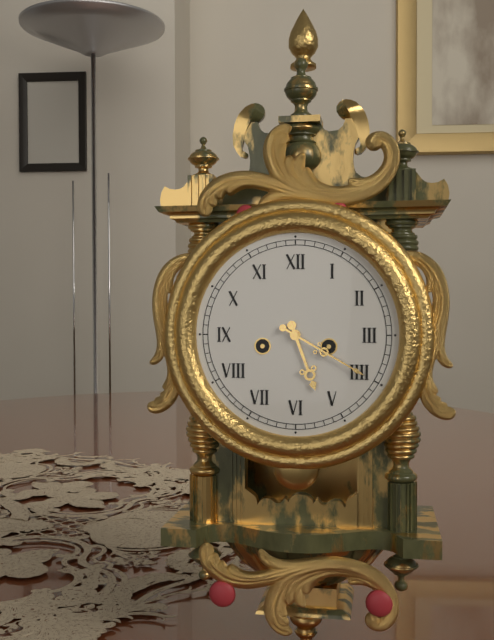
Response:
5.20
